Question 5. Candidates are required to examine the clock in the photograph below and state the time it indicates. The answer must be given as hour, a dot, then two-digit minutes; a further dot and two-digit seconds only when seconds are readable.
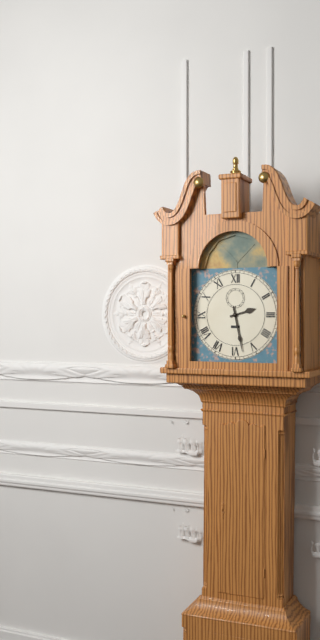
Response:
2.28
